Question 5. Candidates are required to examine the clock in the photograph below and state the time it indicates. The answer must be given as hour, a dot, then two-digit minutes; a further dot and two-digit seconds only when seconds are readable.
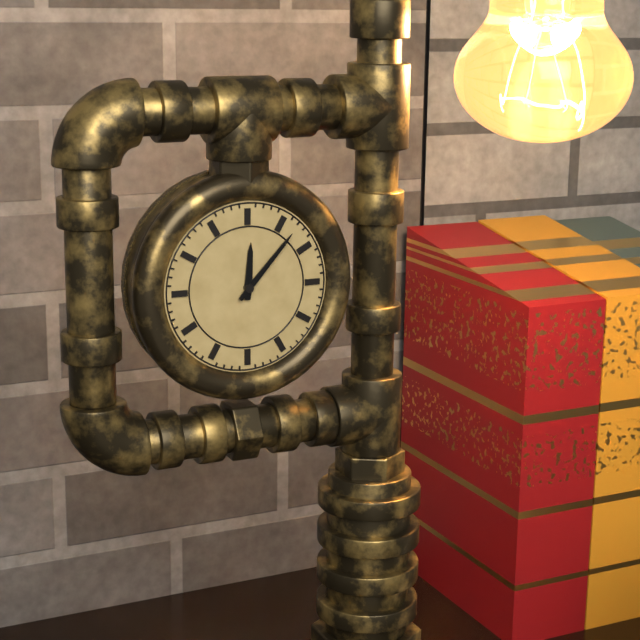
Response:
12.07
